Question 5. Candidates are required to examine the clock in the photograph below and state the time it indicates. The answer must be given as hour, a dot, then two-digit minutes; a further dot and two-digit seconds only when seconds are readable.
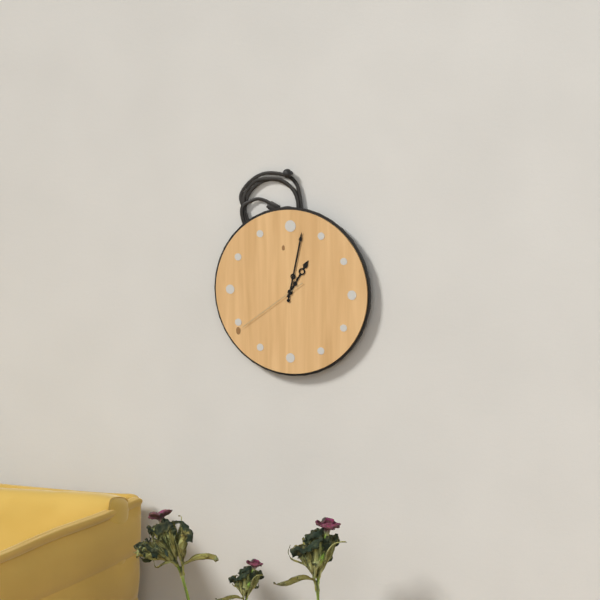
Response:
1.02.39
